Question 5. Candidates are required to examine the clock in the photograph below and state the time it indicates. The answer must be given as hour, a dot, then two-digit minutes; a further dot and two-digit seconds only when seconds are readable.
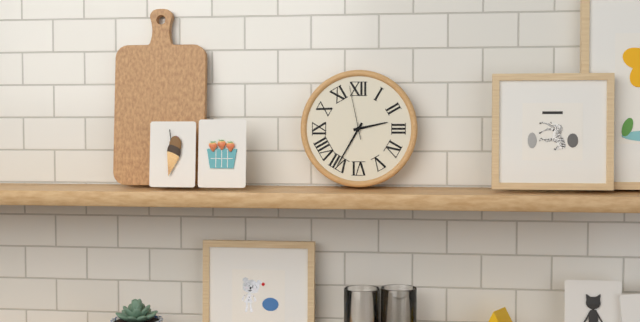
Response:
2.35.58
